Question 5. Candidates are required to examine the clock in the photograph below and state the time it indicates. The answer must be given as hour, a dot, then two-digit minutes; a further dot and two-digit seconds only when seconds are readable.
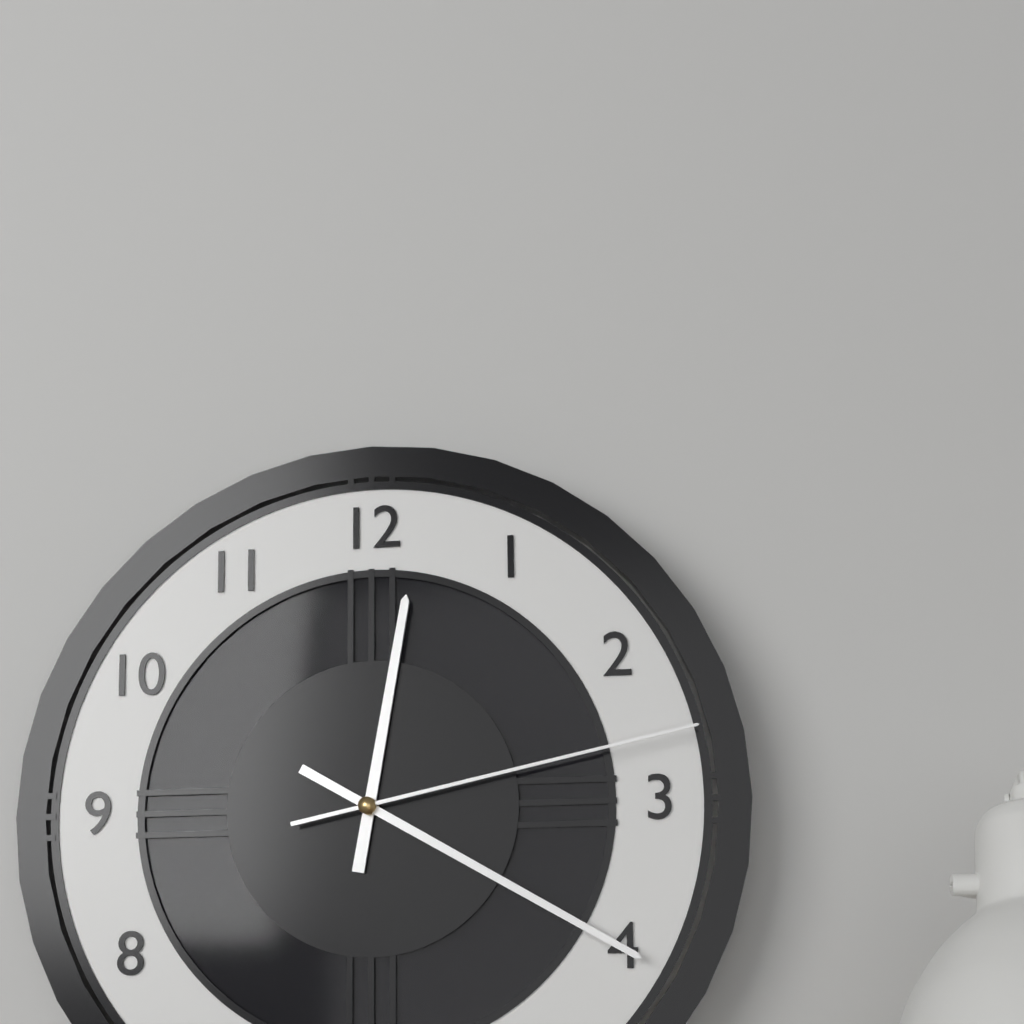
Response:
12.20.13
